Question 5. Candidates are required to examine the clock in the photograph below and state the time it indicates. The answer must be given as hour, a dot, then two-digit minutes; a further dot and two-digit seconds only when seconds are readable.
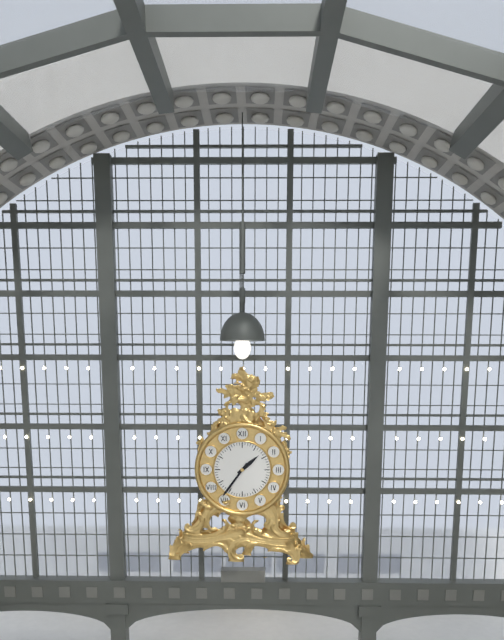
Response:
1.36
